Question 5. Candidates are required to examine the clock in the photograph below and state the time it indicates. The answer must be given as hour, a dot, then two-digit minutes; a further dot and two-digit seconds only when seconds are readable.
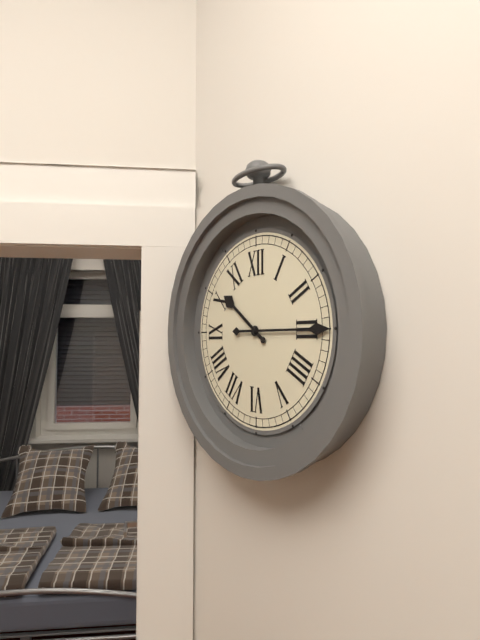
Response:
10.15
